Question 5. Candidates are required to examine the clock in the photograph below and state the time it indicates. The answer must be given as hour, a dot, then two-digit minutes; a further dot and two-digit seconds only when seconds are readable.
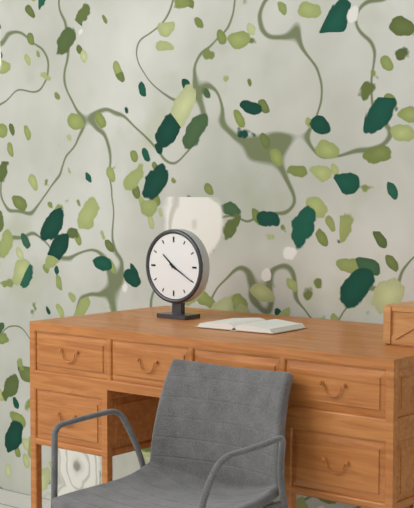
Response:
10.20
